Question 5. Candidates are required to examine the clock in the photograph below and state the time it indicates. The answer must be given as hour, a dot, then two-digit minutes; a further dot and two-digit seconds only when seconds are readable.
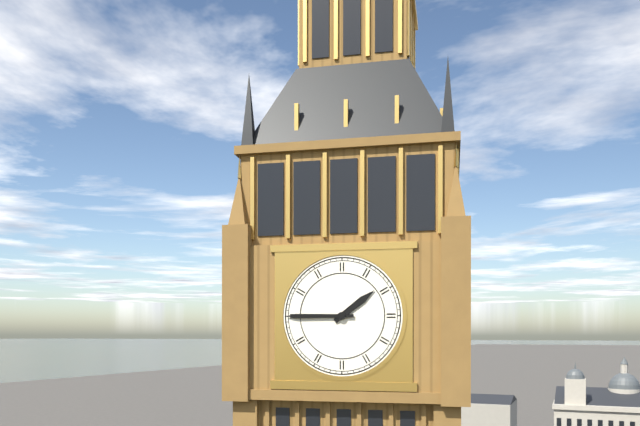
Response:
1.45
